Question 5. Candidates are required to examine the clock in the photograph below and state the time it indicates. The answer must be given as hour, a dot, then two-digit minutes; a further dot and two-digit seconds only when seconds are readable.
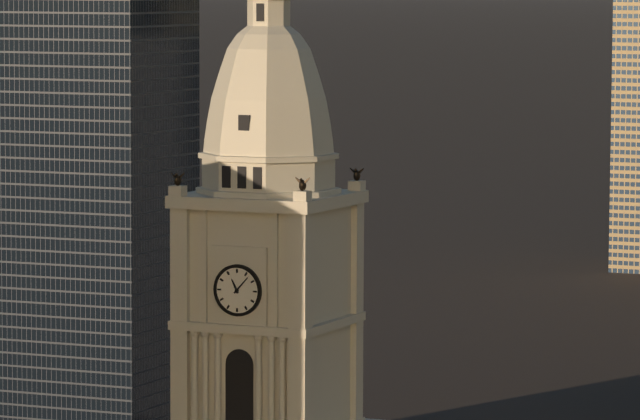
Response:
11.07
